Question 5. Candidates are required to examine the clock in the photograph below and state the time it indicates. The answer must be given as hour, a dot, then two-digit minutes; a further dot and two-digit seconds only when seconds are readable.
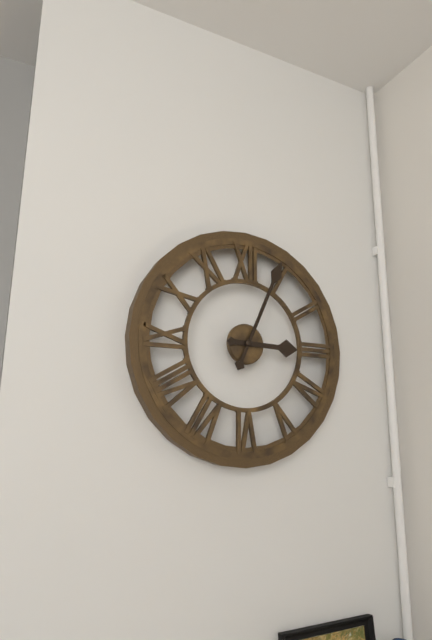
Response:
3.04
